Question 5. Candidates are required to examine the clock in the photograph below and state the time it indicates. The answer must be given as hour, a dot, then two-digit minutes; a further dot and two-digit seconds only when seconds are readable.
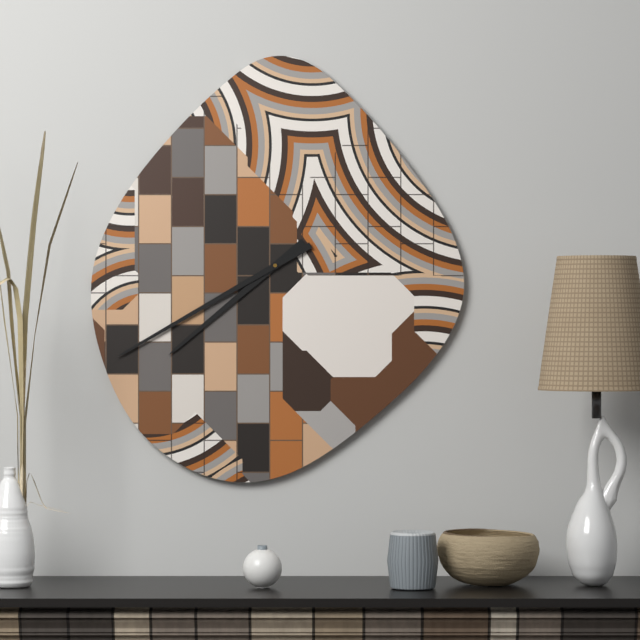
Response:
7.40
